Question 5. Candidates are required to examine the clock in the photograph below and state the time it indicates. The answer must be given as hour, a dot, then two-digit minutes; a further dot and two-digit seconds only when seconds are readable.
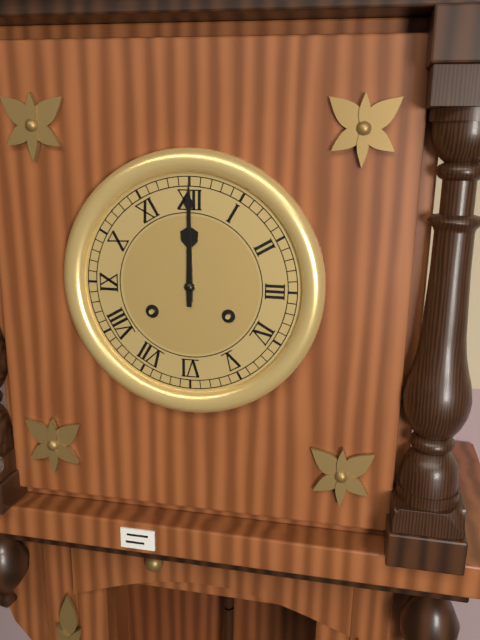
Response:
12.00
